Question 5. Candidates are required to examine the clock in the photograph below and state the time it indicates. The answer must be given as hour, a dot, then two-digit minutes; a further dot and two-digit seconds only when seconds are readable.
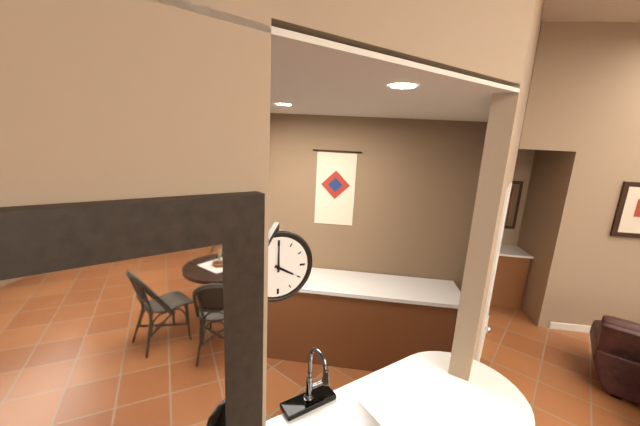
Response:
4.00
